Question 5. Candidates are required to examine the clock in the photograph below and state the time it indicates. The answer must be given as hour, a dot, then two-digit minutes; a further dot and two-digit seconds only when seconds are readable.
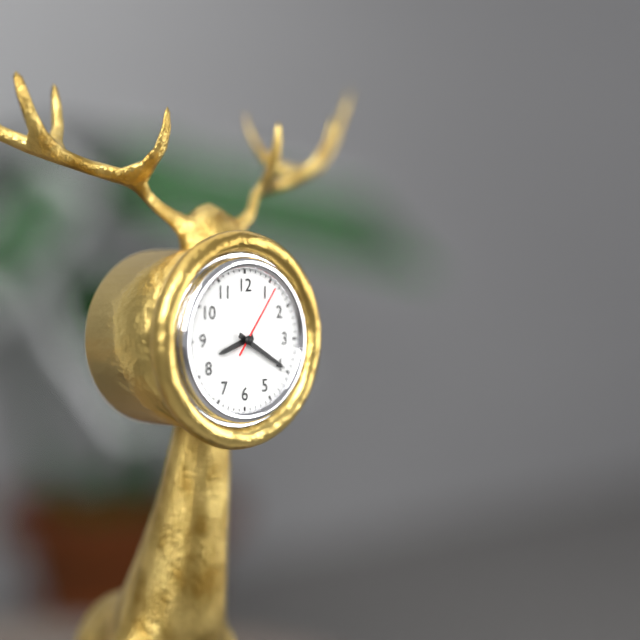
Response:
8.20.06
